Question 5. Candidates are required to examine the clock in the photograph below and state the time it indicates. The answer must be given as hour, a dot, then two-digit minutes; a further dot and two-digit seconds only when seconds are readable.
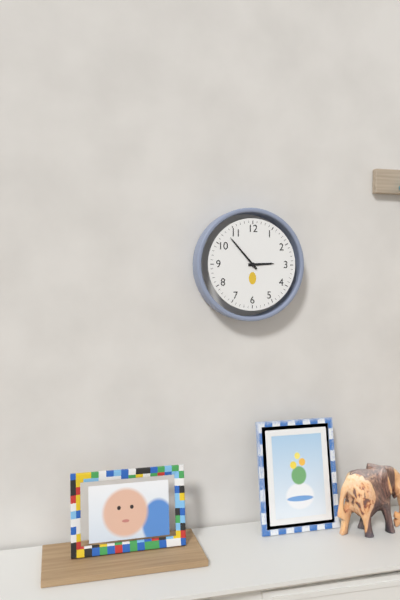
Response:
2.53
